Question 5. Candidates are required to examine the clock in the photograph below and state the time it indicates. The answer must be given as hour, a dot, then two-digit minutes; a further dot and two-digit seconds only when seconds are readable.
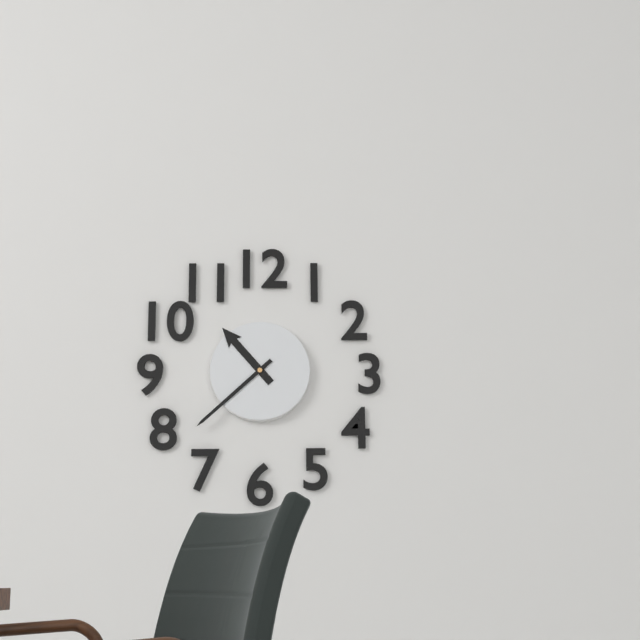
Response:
10.38
